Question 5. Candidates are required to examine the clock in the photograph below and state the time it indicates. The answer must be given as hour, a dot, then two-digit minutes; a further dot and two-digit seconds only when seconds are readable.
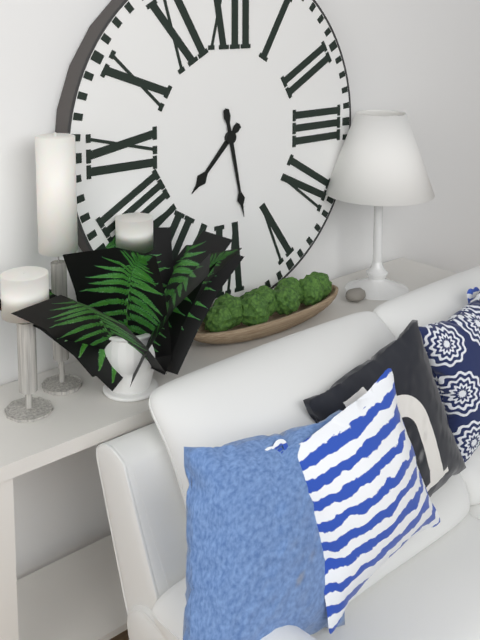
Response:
7.28
